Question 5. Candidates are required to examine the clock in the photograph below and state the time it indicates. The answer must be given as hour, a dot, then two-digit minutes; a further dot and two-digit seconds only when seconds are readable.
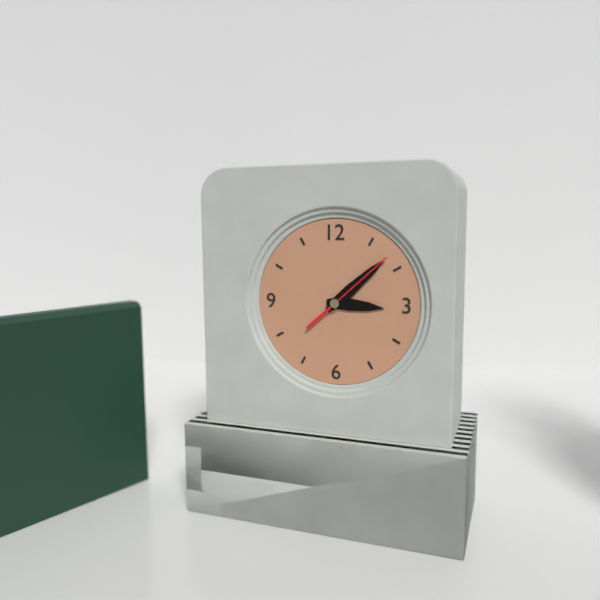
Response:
3.08.08
